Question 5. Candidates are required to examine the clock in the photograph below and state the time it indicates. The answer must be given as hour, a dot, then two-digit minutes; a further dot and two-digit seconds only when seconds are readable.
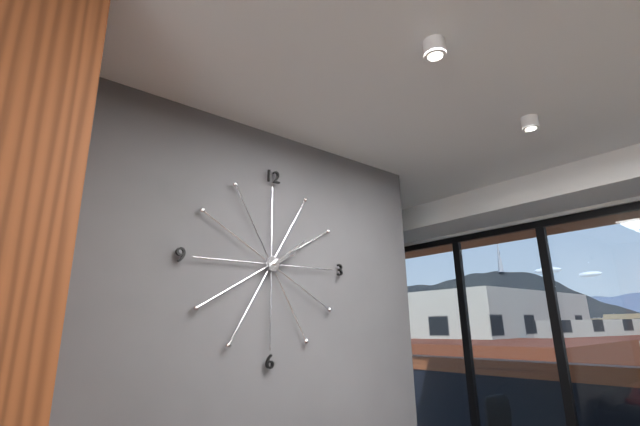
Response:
2.09
